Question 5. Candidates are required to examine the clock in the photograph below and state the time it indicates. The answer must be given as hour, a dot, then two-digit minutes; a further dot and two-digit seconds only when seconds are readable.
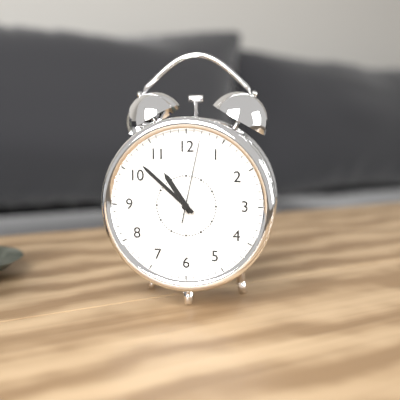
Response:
10.52.02
